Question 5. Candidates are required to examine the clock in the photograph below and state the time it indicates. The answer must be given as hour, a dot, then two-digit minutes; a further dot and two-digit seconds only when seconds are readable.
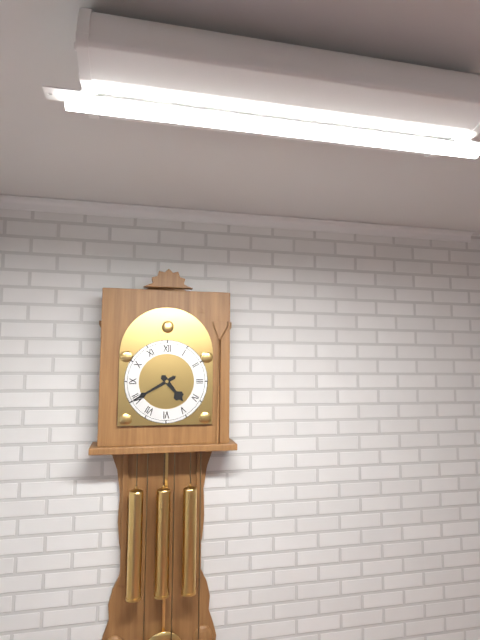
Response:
4.40
